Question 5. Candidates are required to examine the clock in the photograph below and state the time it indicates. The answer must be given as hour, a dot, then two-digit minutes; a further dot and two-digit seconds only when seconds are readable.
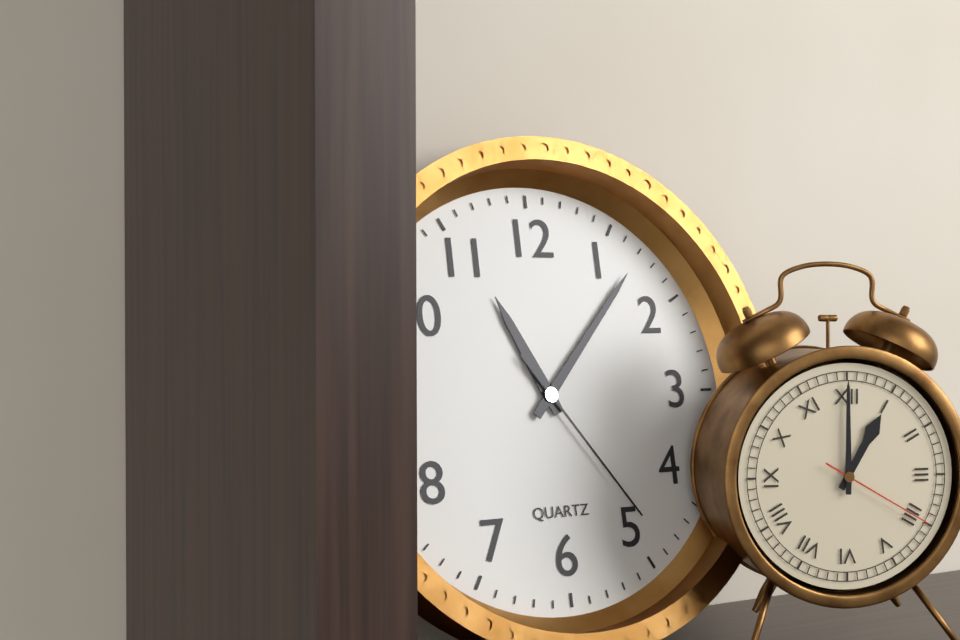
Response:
11.07.24
